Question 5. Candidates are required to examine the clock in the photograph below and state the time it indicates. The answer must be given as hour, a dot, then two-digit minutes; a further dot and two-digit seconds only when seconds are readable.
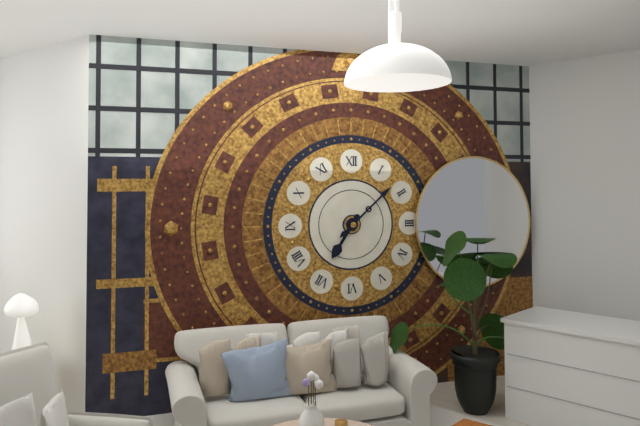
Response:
7.08
